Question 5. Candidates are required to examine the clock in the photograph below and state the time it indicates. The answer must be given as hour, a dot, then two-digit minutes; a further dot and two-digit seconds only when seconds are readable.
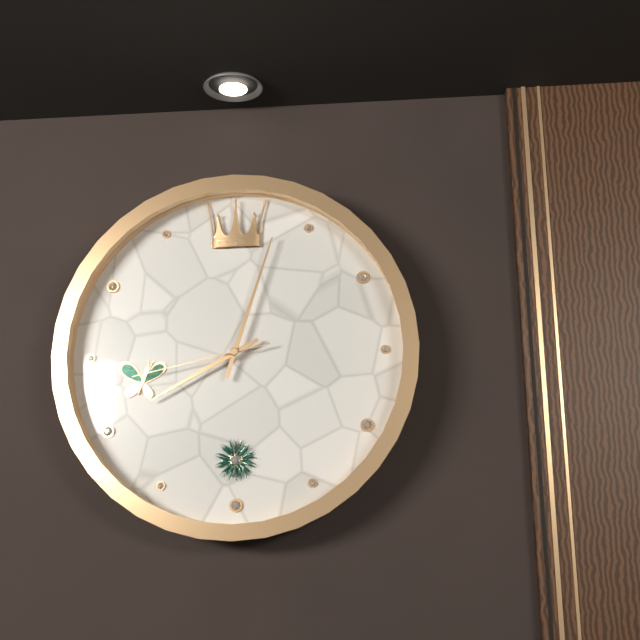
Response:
8.03.43
